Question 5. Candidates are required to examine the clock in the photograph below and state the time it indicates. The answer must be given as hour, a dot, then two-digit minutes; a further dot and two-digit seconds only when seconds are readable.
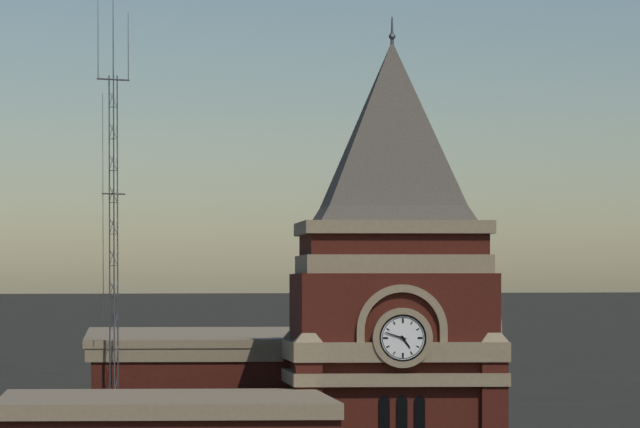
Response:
4.48
